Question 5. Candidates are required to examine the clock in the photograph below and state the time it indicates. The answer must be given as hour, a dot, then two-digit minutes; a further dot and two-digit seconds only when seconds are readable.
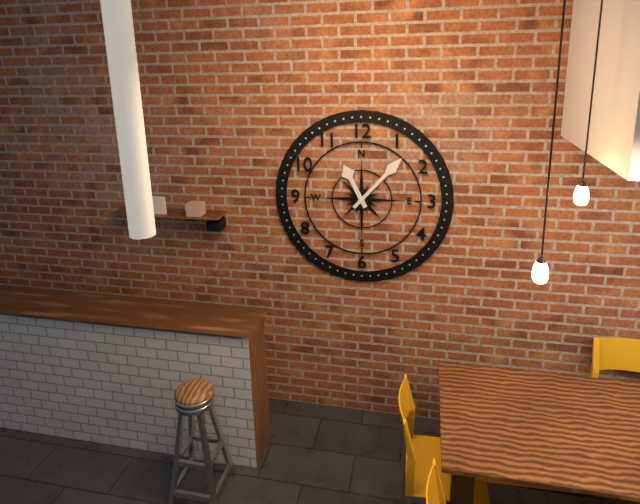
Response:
11.07
